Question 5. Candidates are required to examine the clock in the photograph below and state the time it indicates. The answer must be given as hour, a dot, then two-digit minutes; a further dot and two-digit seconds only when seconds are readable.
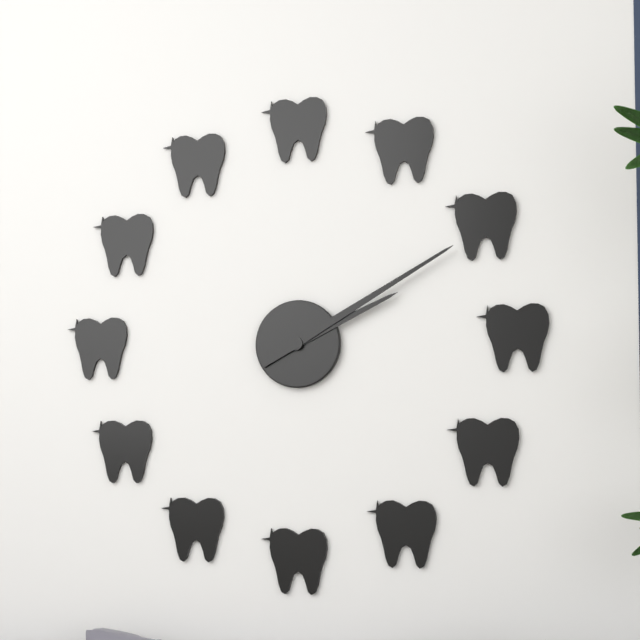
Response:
2.10
